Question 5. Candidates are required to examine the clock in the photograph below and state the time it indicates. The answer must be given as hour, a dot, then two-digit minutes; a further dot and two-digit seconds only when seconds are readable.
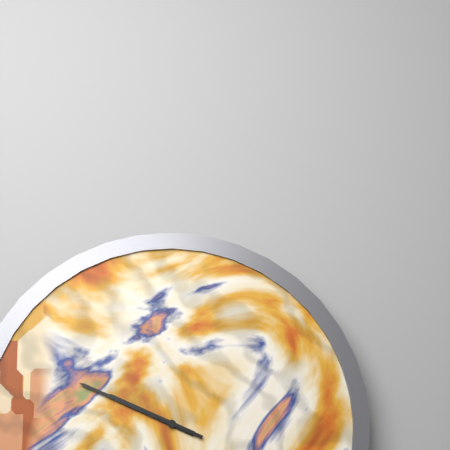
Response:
9.49
